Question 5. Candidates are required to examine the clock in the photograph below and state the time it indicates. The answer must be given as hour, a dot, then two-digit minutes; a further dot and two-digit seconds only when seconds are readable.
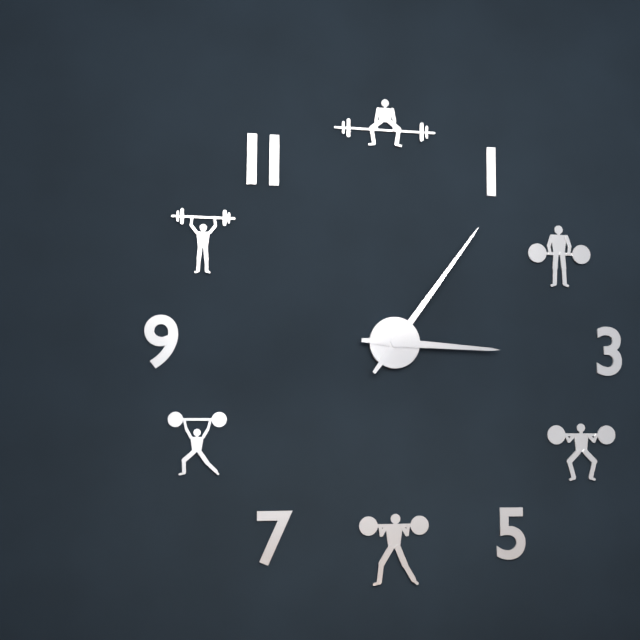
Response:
3.06
